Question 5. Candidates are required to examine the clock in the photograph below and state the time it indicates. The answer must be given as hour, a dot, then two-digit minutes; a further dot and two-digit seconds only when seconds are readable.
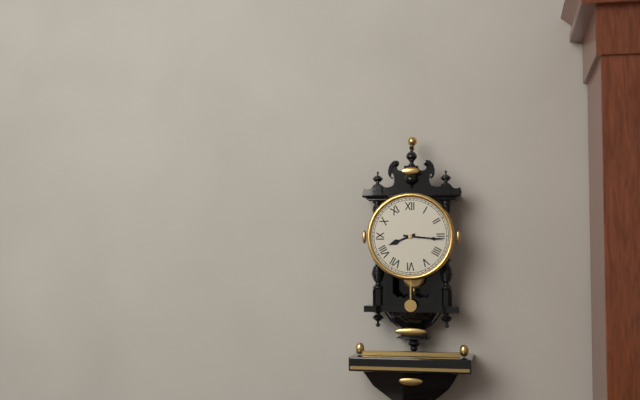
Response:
8.16
